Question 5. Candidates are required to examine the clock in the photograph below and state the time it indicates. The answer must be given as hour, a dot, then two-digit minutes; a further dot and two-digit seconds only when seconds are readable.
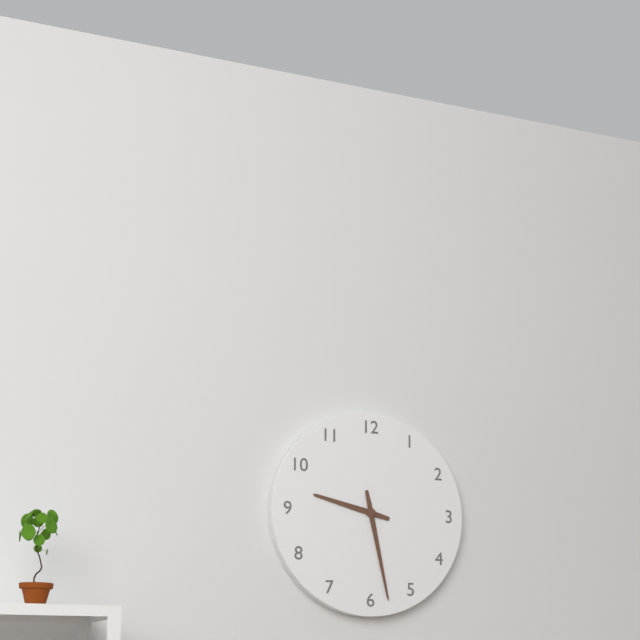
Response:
9.28
